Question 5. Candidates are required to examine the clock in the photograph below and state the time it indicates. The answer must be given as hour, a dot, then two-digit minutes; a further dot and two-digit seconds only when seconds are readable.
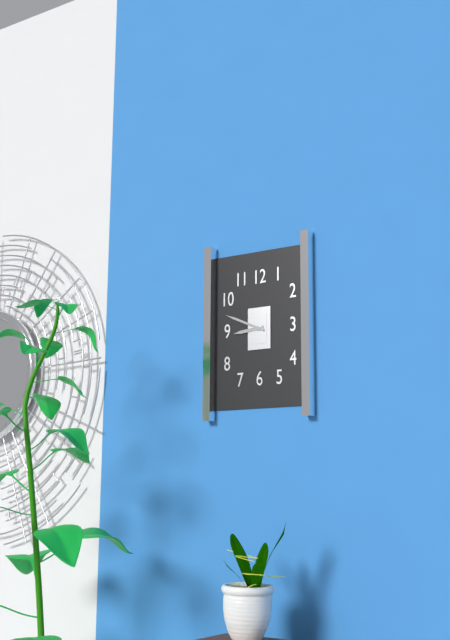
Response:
8.49
